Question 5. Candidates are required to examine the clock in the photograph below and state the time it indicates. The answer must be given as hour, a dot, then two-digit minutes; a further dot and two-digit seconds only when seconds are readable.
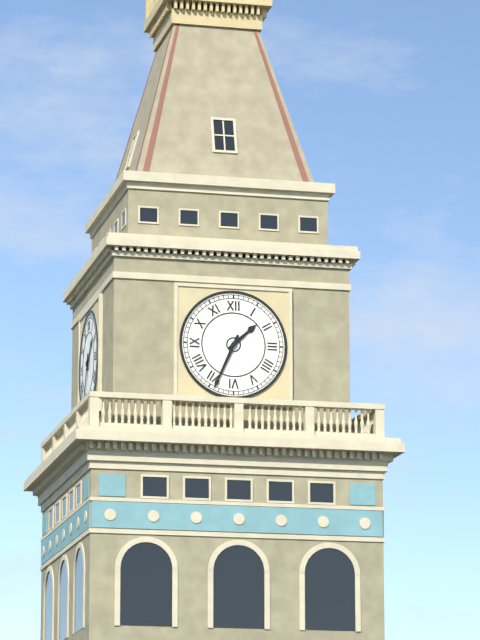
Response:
1.34
